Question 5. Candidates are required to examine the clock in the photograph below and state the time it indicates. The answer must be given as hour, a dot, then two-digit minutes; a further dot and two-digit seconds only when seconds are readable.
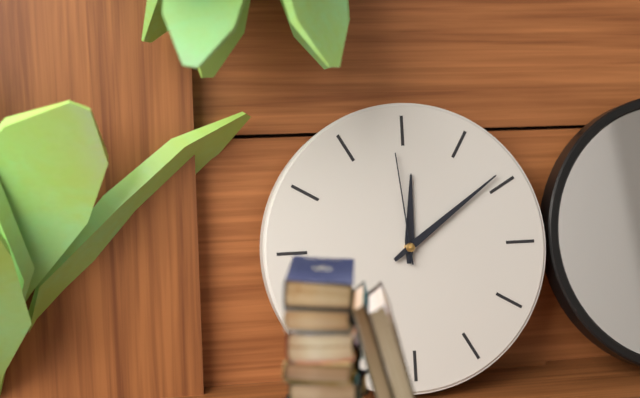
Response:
12.09.59
